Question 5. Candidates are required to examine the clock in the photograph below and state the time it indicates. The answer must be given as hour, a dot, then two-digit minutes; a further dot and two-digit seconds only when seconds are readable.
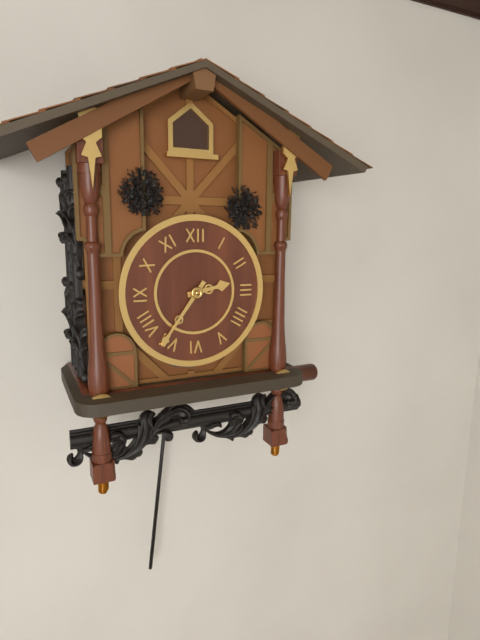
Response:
2.36
